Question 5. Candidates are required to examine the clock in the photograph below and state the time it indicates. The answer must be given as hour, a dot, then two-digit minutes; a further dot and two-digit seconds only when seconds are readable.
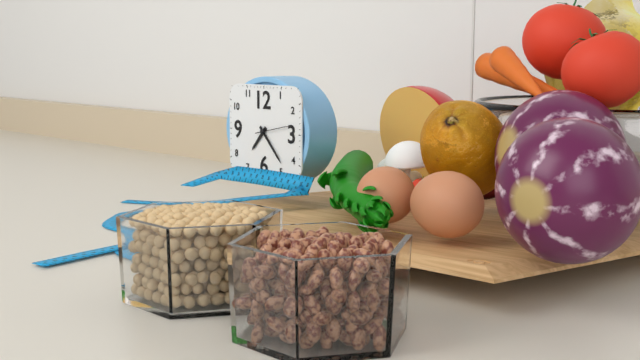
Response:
7.23
